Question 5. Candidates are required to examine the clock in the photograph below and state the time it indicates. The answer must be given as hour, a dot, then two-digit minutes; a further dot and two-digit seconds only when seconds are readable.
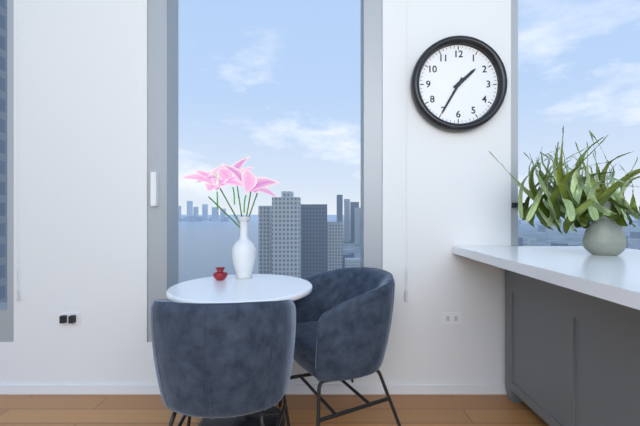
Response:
1.35
